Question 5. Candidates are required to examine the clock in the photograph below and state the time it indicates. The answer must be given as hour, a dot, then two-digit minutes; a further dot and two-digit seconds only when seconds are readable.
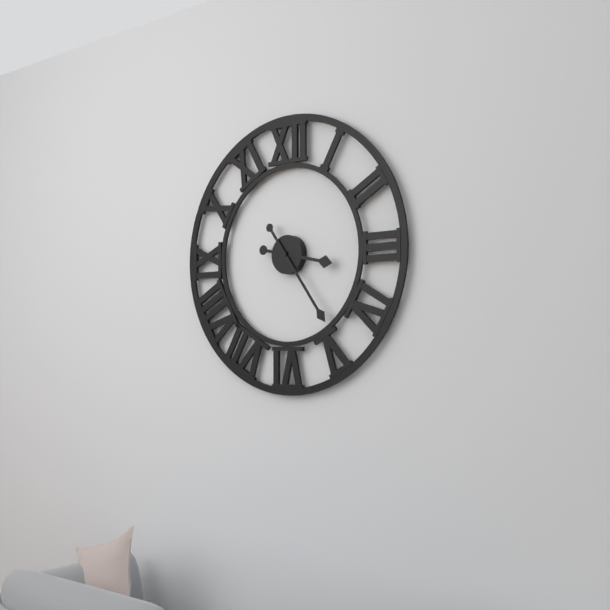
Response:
3.24
